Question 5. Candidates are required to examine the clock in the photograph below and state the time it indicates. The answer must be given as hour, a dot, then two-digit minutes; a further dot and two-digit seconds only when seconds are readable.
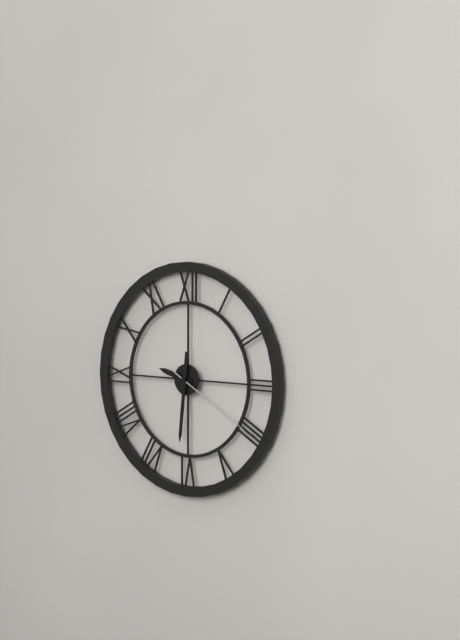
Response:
9.31.20
